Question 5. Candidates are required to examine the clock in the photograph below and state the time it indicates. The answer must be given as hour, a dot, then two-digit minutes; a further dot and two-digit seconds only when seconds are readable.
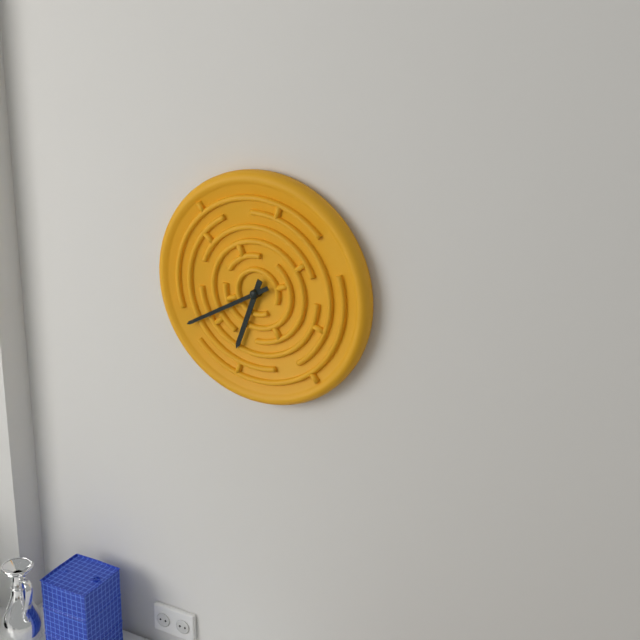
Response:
6.40
